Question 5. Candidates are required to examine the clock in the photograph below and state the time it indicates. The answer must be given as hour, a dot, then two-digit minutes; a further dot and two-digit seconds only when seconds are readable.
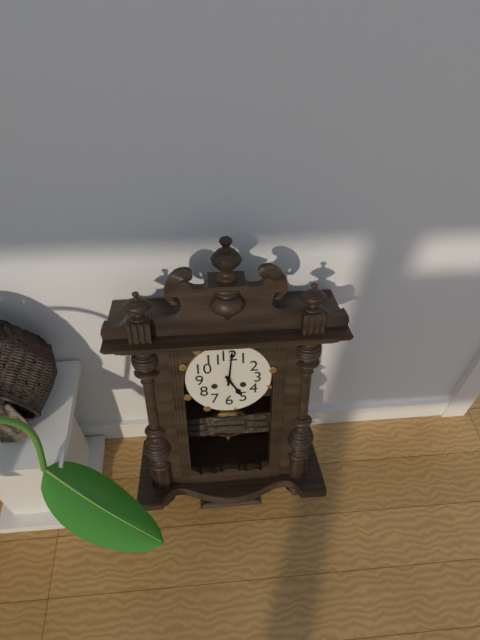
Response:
5.01
